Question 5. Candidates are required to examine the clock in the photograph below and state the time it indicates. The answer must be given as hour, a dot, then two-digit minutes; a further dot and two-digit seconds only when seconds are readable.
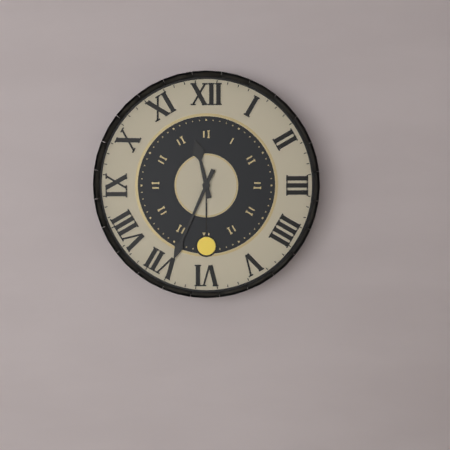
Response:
11.34
